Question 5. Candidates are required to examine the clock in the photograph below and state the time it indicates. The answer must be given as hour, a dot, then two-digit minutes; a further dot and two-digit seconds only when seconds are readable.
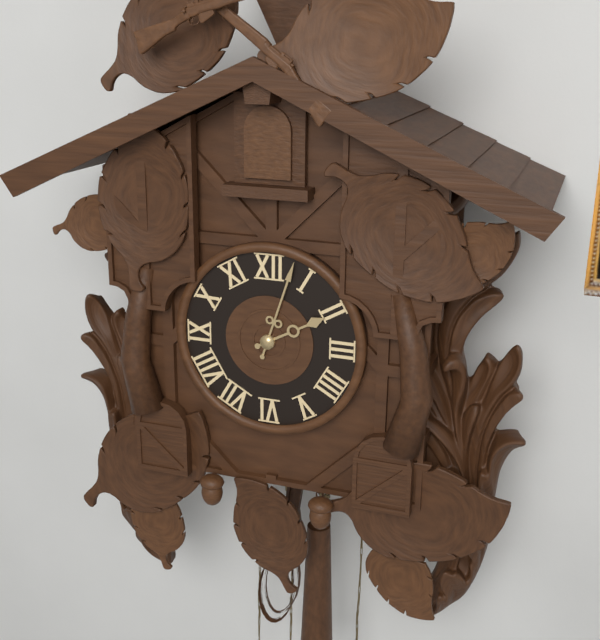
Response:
2.03
